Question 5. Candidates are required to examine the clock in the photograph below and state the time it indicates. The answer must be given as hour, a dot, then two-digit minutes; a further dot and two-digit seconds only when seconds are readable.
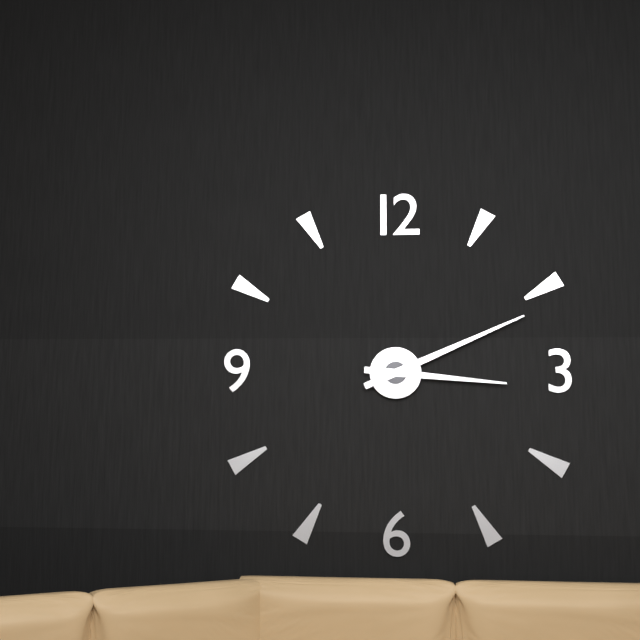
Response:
3.11
